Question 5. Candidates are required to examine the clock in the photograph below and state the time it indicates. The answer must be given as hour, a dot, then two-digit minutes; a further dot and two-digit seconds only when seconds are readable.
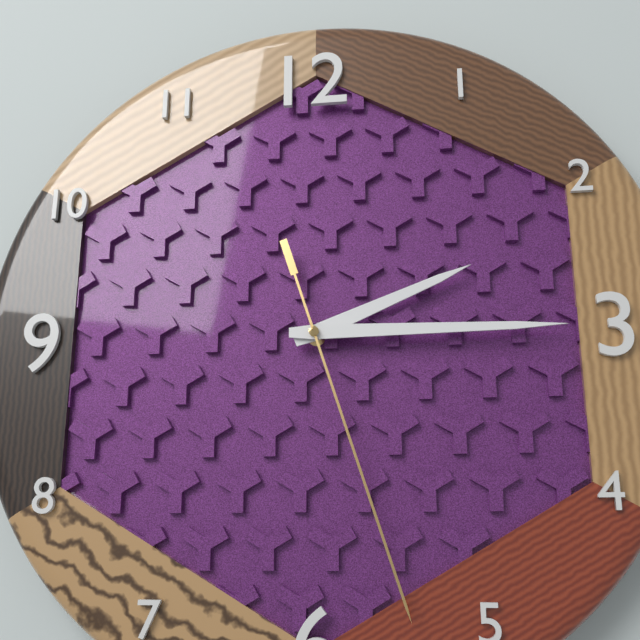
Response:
2.15.27
